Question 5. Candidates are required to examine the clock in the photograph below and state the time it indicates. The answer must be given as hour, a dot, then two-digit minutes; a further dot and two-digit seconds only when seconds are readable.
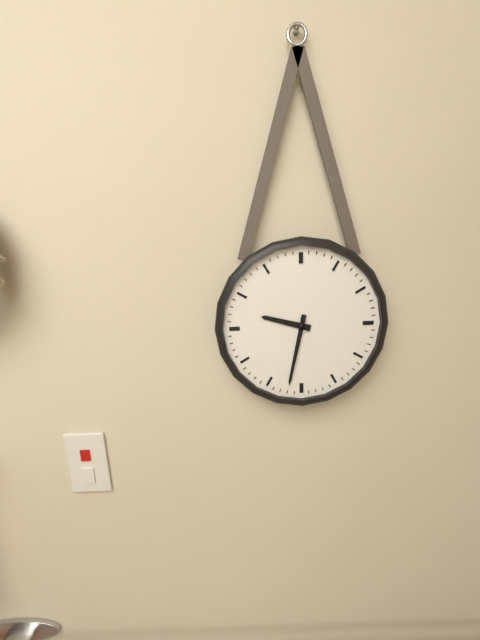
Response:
9.32
